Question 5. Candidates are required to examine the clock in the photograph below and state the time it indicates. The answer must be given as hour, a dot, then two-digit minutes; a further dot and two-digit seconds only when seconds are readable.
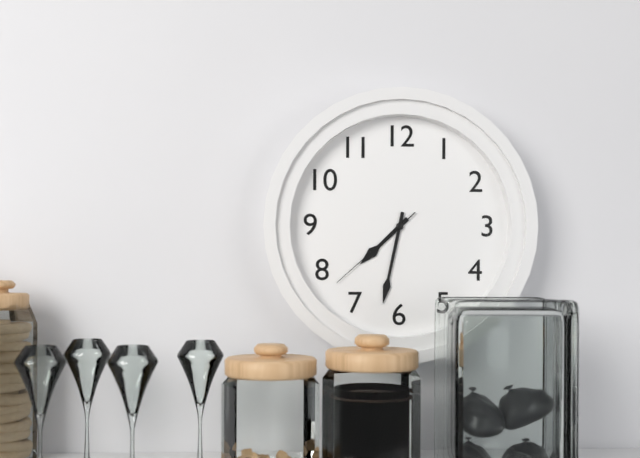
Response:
7.32.38
